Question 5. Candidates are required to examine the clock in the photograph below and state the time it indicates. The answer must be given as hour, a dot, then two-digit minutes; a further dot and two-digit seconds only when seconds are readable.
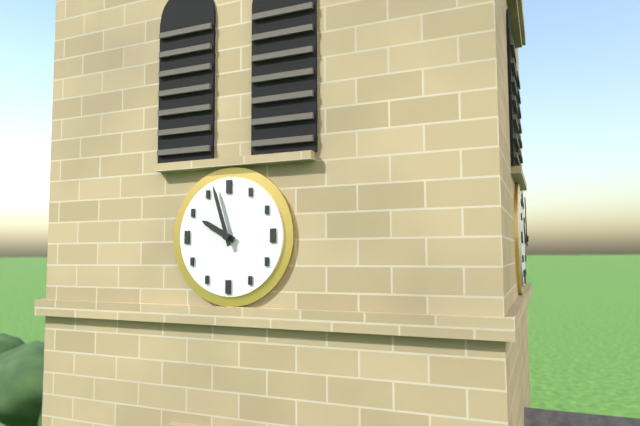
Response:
9.57
